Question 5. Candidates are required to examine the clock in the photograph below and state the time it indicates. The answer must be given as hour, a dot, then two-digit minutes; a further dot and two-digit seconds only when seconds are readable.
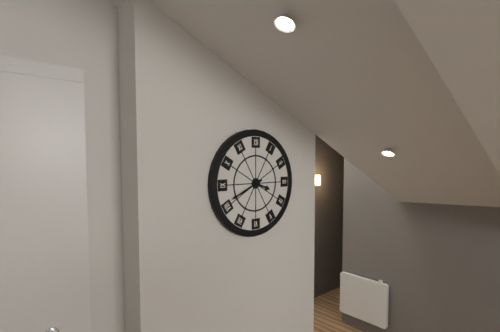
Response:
3.41
